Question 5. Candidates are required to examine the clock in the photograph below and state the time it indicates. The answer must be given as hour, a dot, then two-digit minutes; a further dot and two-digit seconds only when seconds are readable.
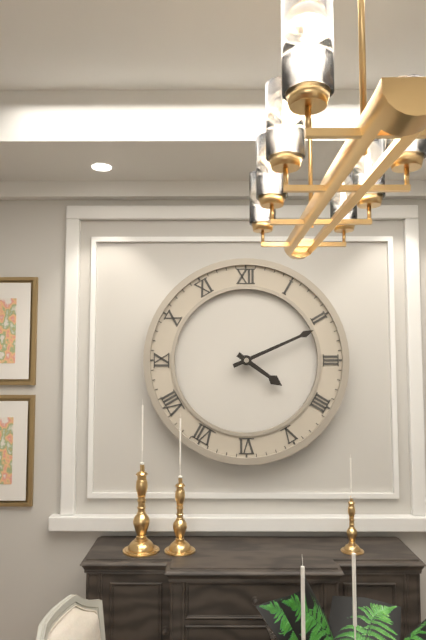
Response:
4.11
